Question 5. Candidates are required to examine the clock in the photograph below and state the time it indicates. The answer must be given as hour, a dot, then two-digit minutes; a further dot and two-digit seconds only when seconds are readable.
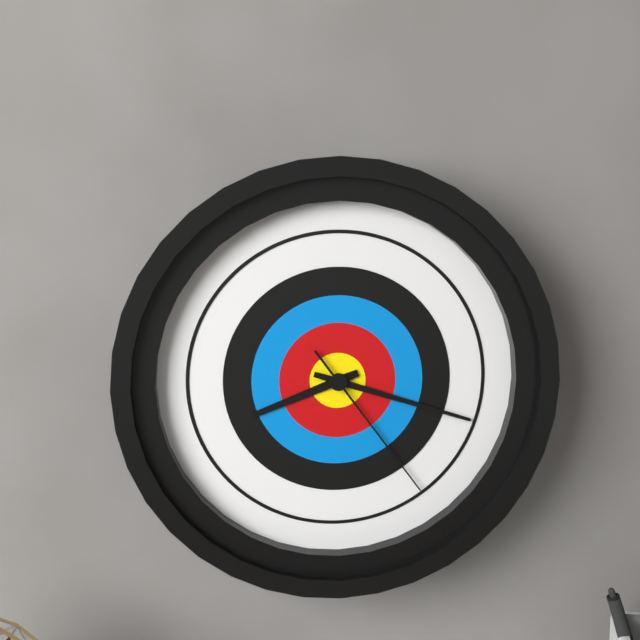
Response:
8.18.24
